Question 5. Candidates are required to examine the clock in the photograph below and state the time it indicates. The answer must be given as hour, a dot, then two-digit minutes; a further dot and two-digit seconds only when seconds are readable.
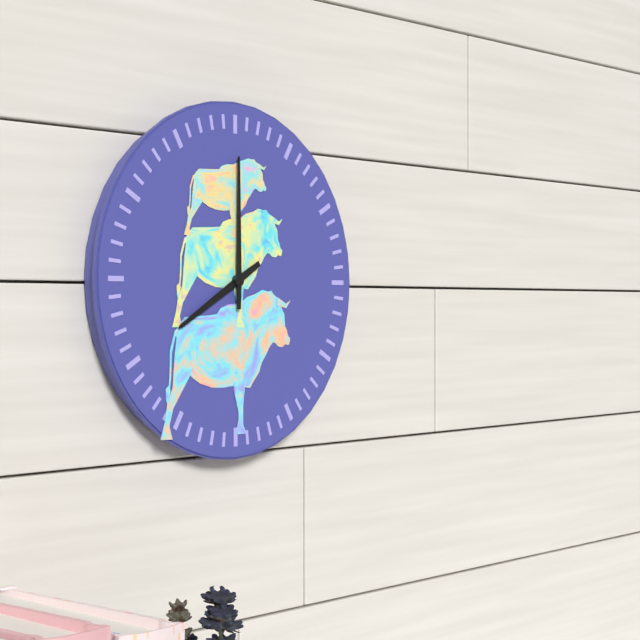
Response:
8.00
